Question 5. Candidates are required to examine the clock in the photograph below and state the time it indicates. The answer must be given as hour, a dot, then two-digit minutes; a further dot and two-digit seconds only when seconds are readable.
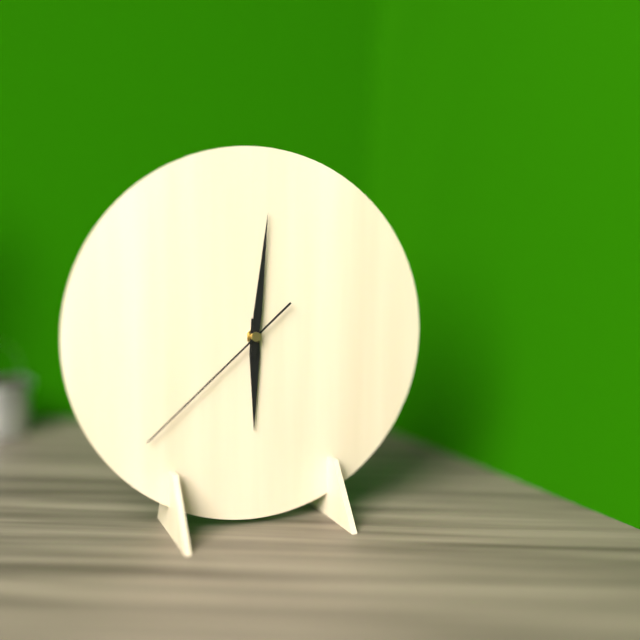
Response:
6.01.38
